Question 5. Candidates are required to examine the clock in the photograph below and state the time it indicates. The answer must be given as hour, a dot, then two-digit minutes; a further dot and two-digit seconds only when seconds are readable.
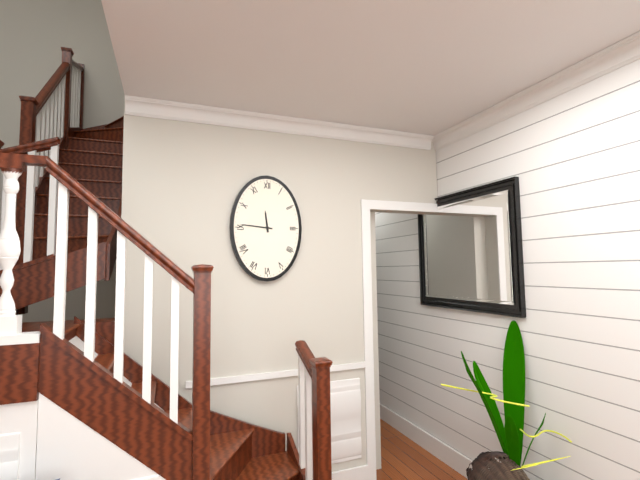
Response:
11.46
